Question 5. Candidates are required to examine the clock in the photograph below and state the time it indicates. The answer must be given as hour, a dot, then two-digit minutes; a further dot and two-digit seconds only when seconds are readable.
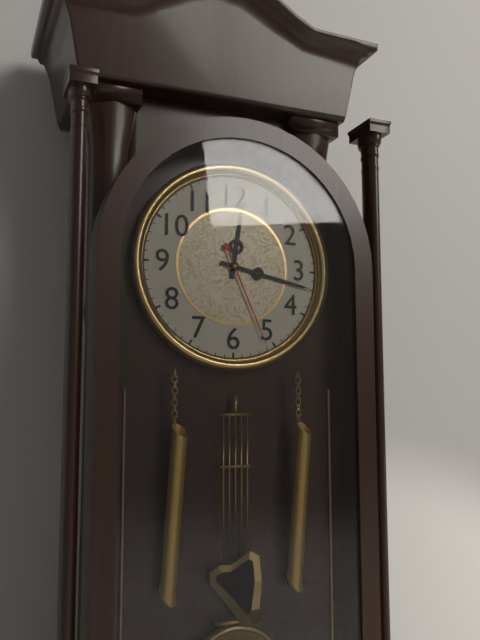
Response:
12.17.26
